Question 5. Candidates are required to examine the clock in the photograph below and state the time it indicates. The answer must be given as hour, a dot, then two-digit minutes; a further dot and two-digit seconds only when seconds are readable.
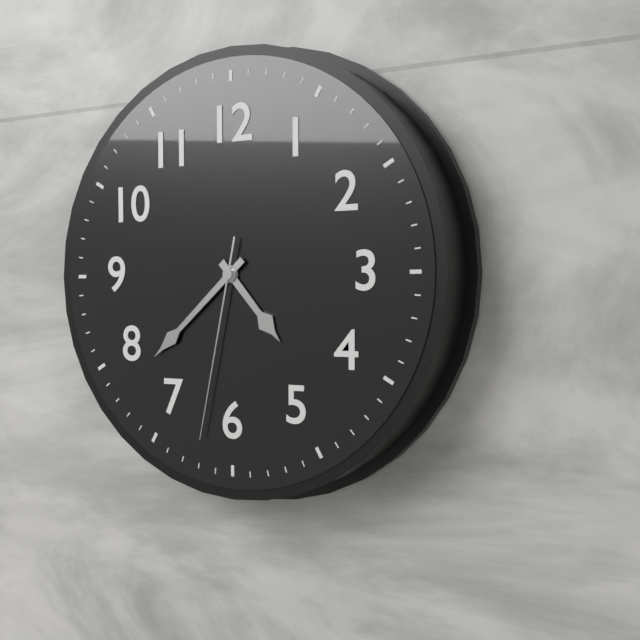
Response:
4.38.32
